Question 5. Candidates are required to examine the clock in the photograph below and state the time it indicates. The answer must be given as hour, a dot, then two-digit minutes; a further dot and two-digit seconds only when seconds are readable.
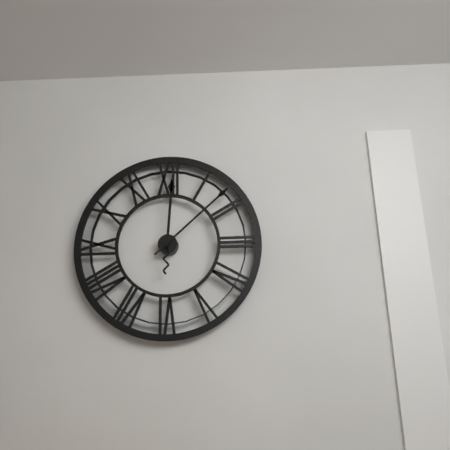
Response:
12.08
